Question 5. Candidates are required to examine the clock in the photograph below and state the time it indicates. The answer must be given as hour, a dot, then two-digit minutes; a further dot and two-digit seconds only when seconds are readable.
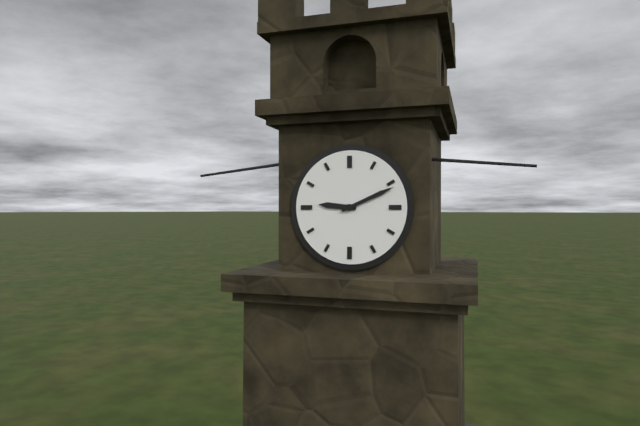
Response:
9.11
